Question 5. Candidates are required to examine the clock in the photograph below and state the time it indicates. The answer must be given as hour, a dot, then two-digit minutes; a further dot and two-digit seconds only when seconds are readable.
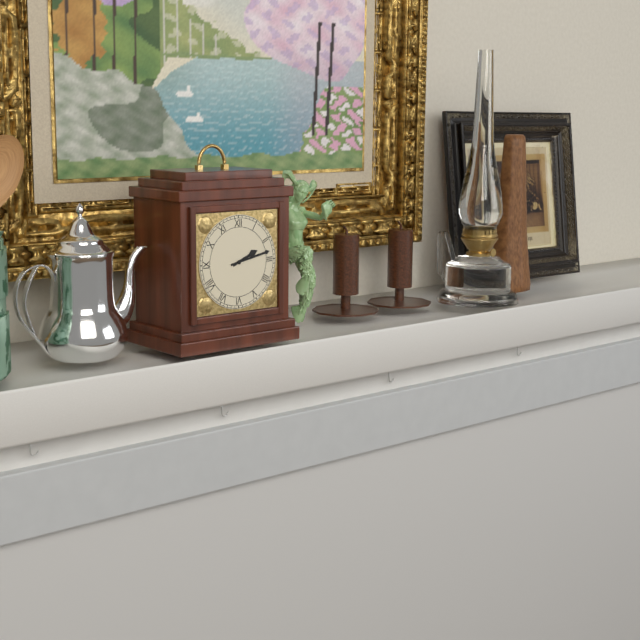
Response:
2.13
